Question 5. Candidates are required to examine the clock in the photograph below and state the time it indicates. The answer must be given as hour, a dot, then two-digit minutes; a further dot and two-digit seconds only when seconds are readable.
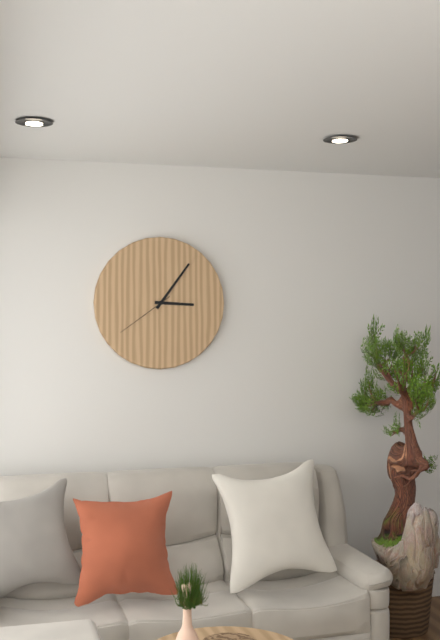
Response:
3.06.39
